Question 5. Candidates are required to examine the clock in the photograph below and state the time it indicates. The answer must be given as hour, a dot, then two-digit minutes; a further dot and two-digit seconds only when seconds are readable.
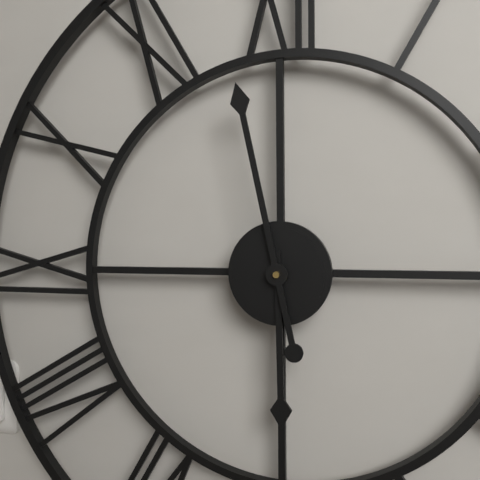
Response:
5.58
